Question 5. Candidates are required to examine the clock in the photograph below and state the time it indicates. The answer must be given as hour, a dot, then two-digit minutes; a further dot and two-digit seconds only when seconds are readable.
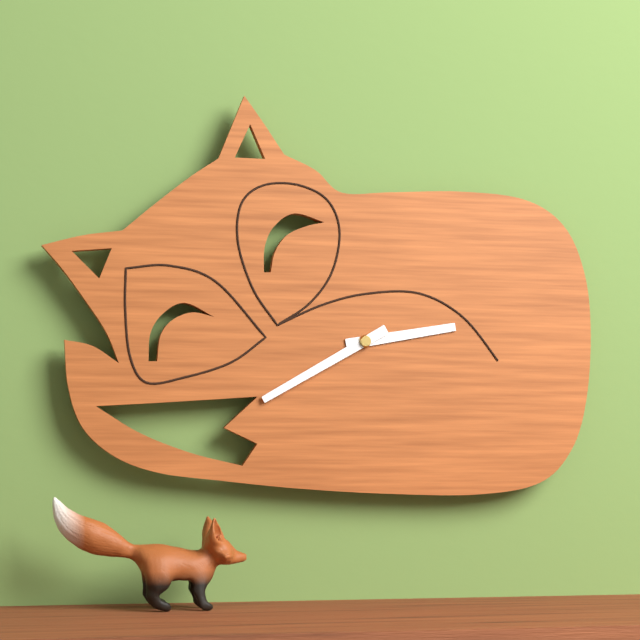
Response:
2.40
